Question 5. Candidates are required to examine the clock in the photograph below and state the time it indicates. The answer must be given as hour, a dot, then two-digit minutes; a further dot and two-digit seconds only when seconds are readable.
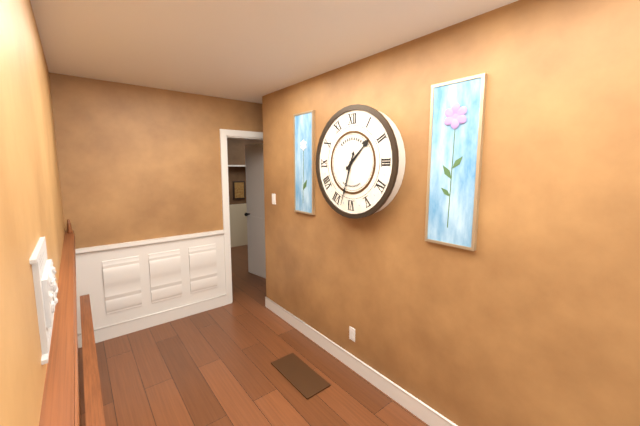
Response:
1.33
